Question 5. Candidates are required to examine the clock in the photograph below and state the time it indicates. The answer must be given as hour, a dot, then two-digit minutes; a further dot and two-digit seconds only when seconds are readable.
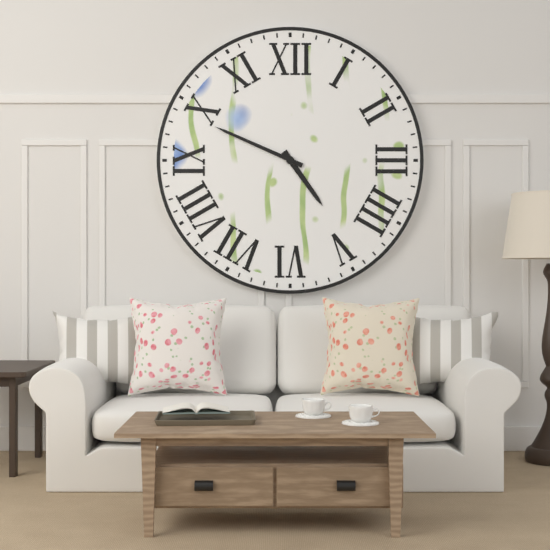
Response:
4.49
